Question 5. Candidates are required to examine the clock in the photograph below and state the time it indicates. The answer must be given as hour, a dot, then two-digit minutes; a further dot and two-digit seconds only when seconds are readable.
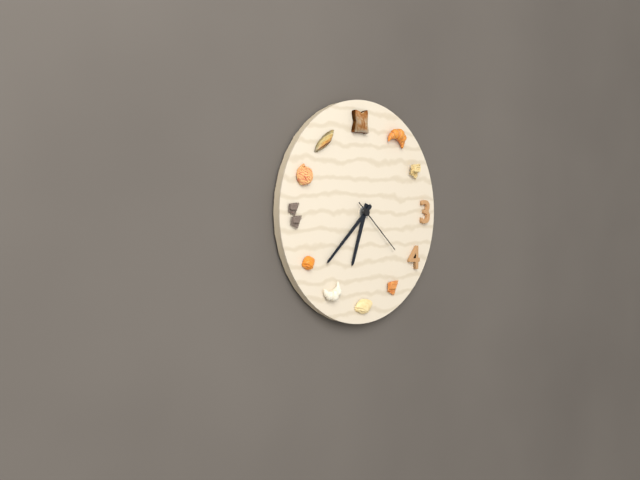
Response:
6.38.22
